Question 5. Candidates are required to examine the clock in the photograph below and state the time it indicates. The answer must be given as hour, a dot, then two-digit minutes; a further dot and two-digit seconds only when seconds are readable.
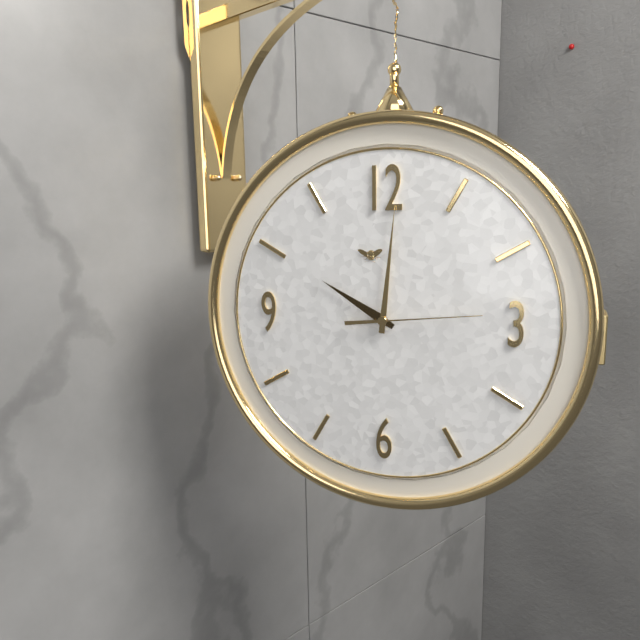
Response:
10.01.14
